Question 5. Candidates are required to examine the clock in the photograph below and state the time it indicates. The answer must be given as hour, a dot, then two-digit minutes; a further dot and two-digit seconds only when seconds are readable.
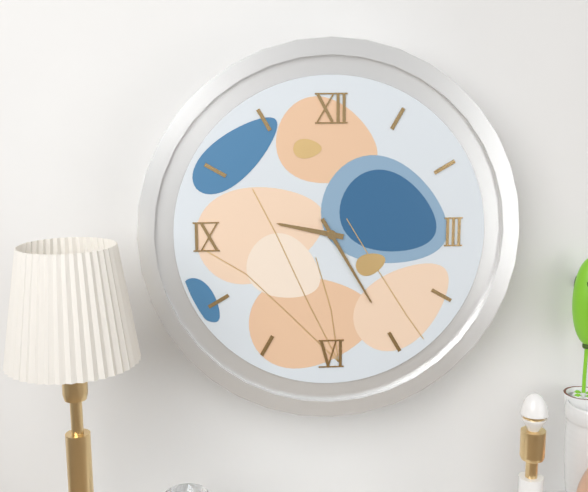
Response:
9.25
